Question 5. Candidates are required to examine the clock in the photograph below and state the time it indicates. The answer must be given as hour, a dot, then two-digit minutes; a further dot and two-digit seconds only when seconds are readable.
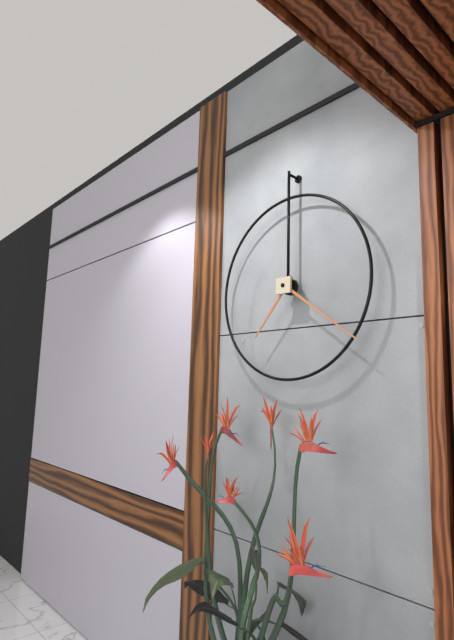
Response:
7.21
